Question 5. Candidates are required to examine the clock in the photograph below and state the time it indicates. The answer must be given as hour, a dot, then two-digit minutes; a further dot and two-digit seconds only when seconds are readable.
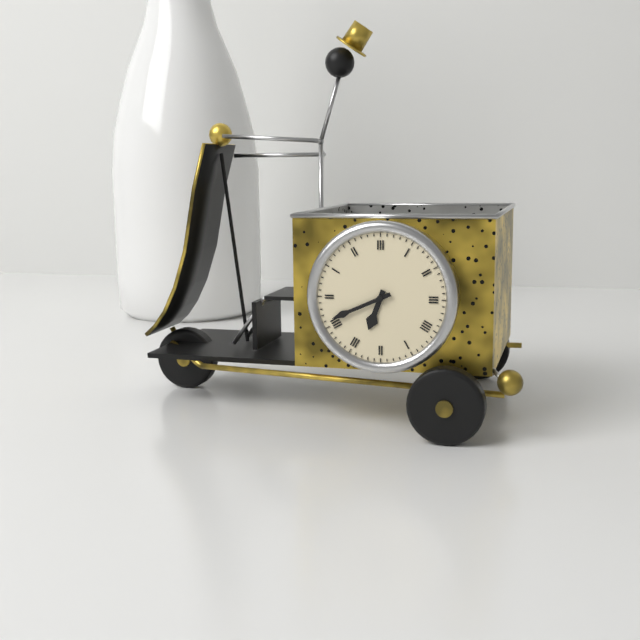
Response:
6.41
